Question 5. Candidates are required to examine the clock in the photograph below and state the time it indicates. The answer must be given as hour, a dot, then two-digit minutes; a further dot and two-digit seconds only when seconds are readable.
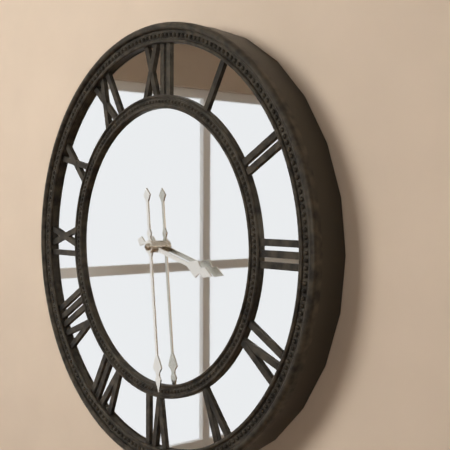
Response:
3.29
